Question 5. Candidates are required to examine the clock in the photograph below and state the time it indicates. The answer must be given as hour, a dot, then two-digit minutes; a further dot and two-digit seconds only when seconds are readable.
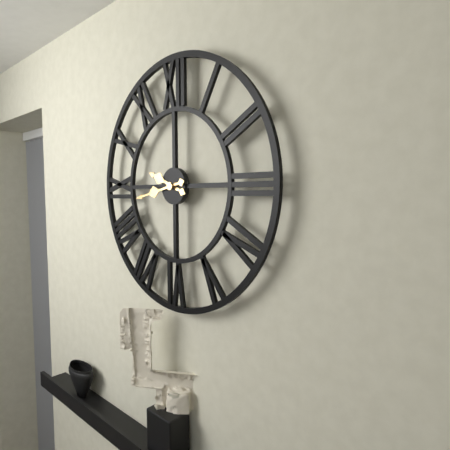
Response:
9.43
